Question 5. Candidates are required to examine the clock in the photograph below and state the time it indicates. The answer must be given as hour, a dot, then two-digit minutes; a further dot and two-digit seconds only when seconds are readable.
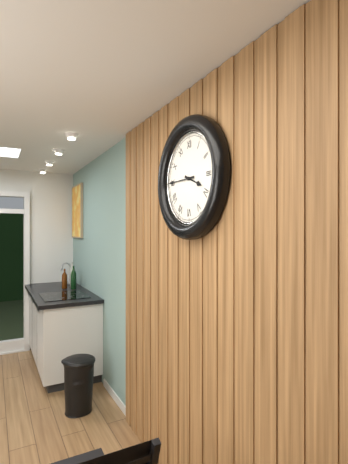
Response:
3.45
